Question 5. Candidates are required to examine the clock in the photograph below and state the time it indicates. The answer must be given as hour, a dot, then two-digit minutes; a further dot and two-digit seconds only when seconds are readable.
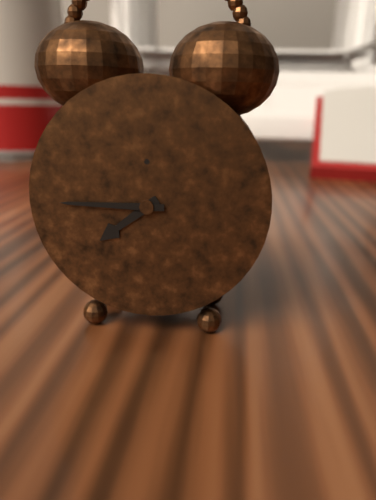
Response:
7.45
